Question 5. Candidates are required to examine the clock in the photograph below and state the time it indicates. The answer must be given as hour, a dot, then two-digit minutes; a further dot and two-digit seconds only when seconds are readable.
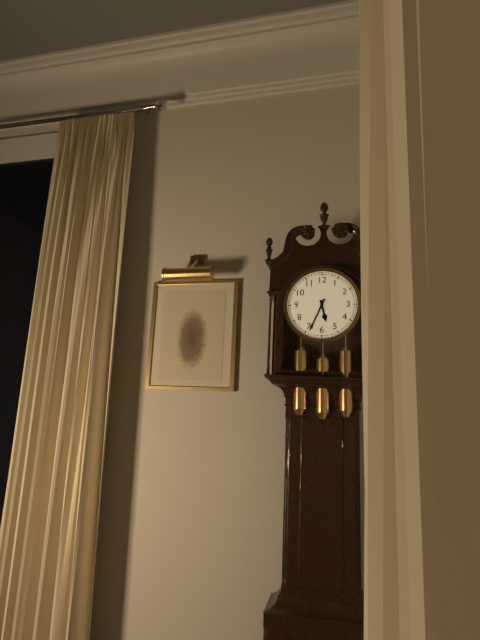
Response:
5.34
